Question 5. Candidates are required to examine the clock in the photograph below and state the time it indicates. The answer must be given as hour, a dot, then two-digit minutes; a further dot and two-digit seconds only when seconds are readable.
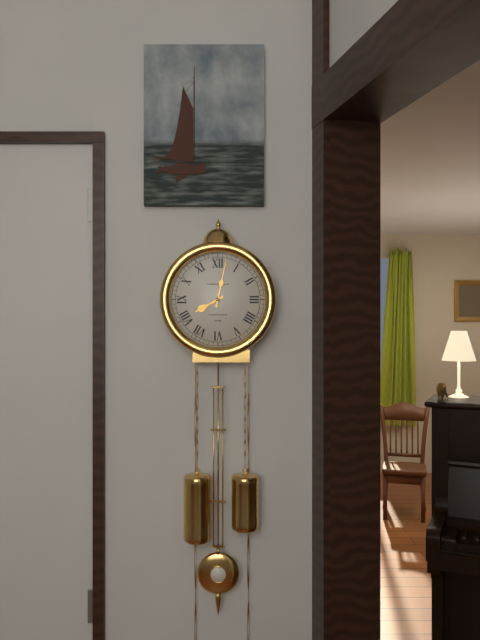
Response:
8.02
